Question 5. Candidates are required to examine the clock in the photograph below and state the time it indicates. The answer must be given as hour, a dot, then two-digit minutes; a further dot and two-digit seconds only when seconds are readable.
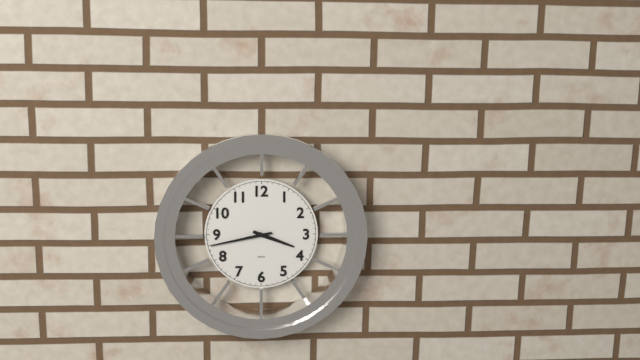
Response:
3.43
